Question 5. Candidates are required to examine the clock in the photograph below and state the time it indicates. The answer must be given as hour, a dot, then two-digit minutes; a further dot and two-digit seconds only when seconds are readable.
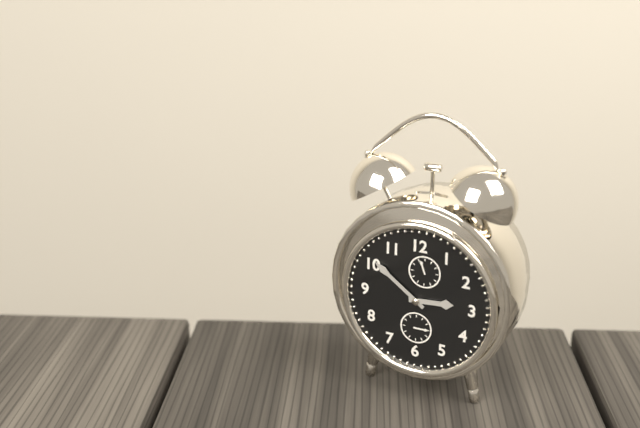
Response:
2.51
